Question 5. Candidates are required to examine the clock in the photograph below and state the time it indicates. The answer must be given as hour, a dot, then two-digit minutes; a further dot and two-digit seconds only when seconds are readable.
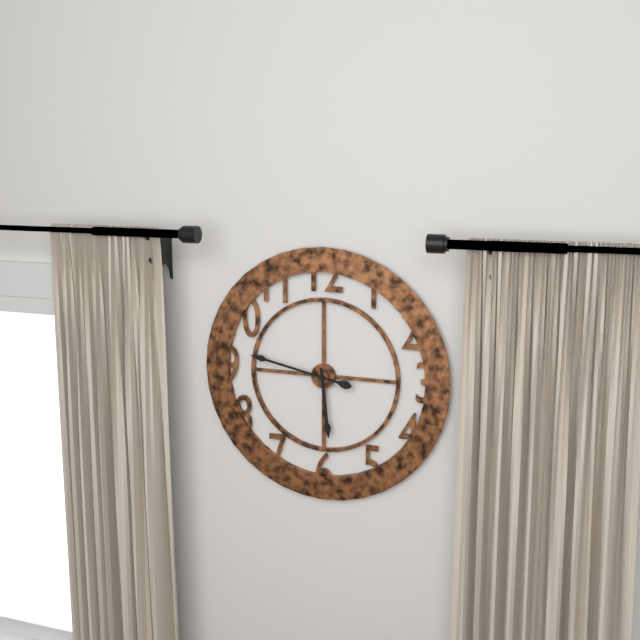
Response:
5.47
